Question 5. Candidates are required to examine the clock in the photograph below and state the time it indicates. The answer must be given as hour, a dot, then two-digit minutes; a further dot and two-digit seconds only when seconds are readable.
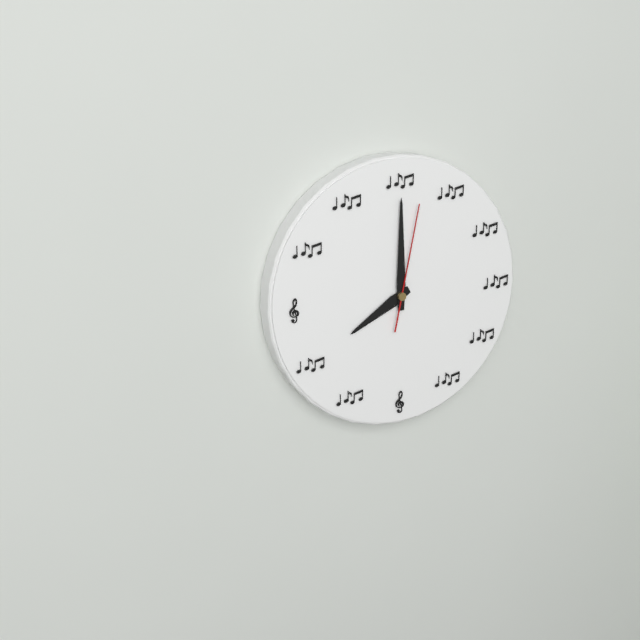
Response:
8.00.02
